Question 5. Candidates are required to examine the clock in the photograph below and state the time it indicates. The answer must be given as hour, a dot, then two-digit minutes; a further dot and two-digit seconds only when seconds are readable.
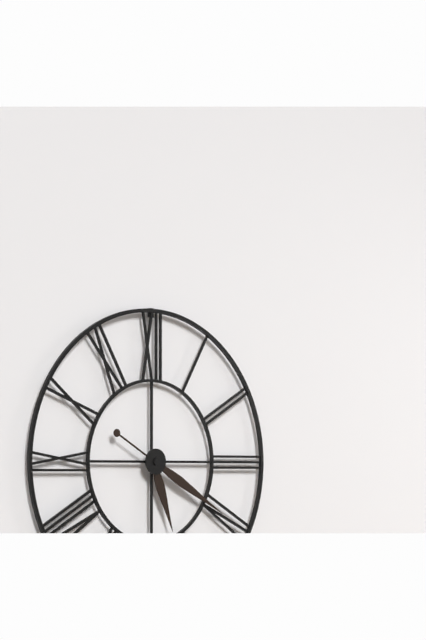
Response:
5.20
